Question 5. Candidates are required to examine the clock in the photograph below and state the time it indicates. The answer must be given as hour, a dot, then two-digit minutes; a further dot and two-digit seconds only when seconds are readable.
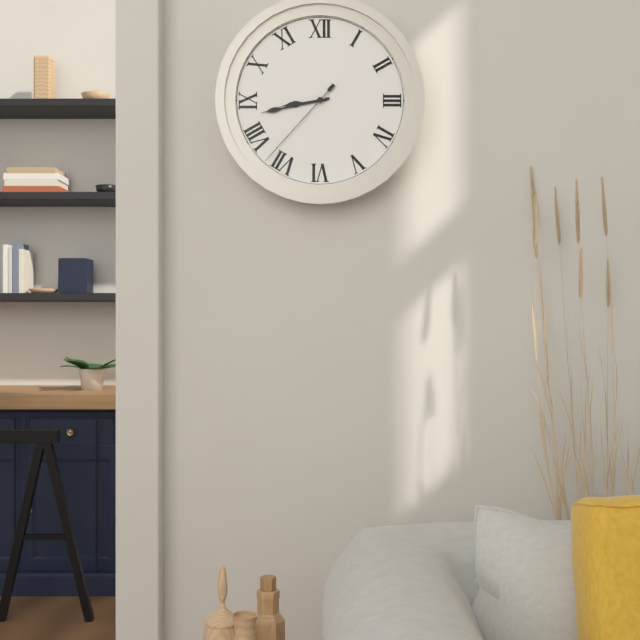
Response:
8.43.37
